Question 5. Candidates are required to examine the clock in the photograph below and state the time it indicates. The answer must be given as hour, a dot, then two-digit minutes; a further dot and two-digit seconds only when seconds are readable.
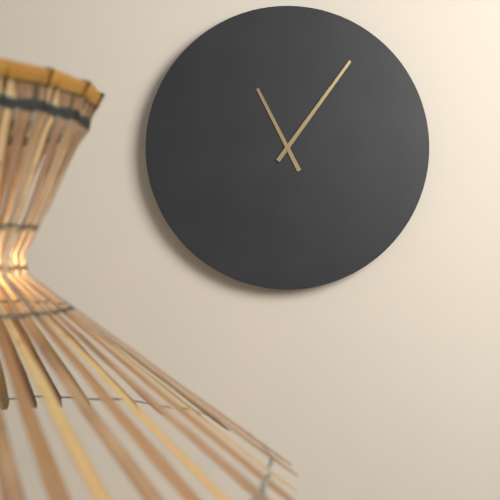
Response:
11.06
